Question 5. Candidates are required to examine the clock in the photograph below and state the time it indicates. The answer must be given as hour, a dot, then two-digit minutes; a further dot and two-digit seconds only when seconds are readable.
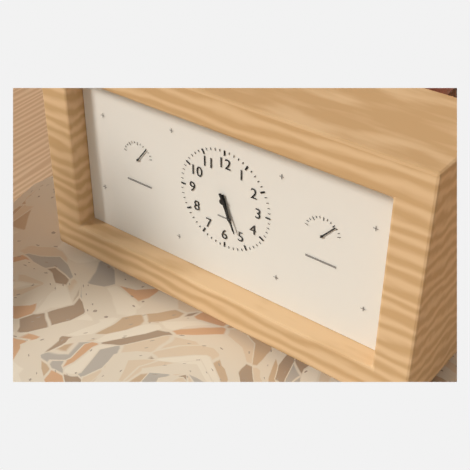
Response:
5.26
